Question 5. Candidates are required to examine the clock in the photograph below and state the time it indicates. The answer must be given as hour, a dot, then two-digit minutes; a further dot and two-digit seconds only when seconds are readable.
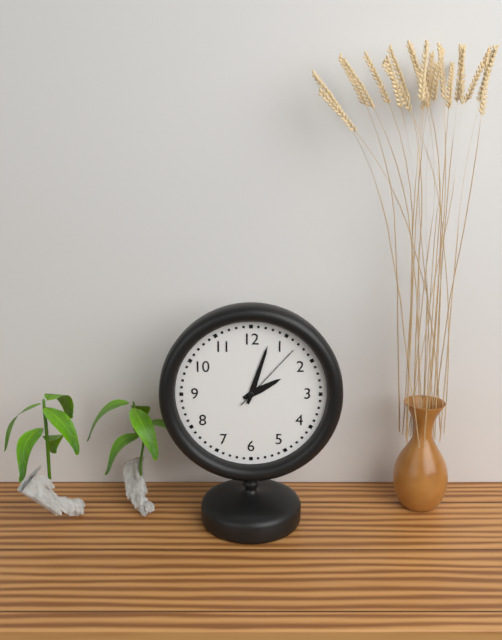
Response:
2.03.07
